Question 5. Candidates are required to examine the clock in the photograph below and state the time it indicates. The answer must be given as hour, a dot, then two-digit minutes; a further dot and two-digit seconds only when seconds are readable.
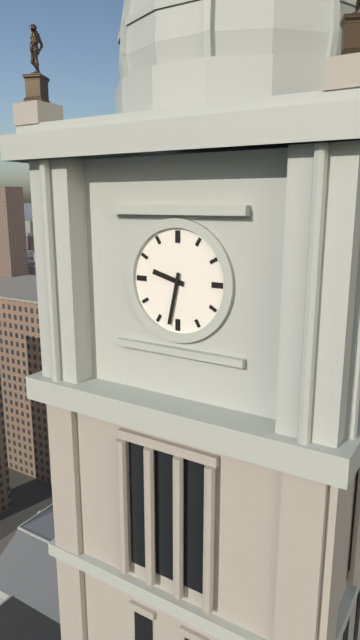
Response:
9.32
